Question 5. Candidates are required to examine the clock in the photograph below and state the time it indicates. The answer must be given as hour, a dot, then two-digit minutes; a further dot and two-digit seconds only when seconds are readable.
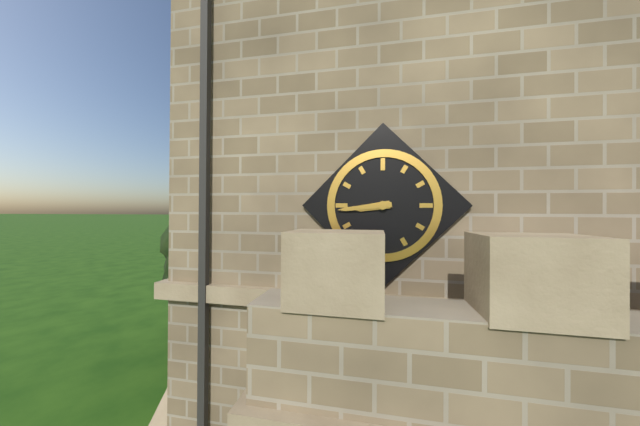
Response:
8.44
